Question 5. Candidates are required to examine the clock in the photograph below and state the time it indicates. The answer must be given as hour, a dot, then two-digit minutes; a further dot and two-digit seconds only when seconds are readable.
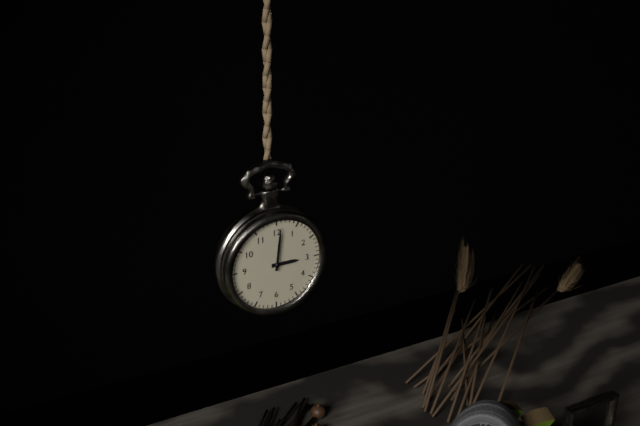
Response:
3.01
